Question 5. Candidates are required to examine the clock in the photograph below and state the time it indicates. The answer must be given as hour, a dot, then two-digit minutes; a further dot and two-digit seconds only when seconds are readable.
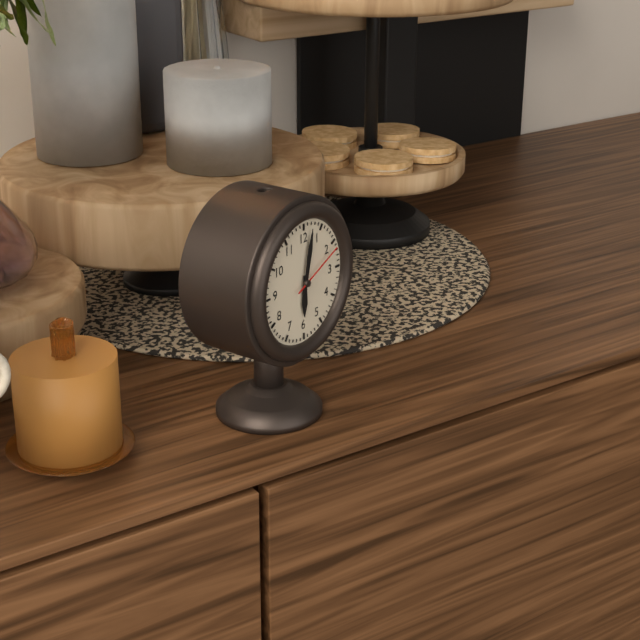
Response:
6.02.11
